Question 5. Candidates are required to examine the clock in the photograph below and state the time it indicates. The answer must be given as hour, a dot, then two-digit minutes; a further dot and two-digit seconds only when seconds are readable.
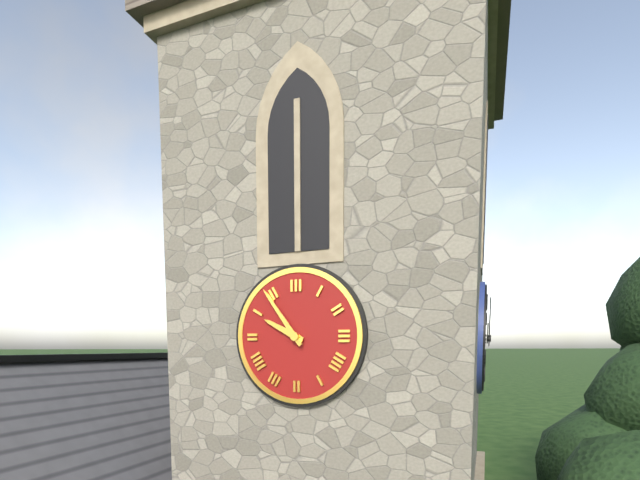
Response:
9.54
